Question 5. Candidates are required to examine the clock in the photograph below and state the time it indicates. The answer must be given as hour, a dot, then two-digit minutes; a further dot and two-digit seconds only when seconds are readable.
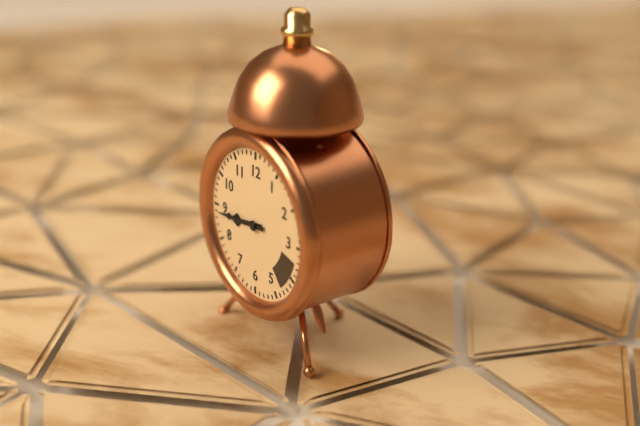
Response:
8.44
